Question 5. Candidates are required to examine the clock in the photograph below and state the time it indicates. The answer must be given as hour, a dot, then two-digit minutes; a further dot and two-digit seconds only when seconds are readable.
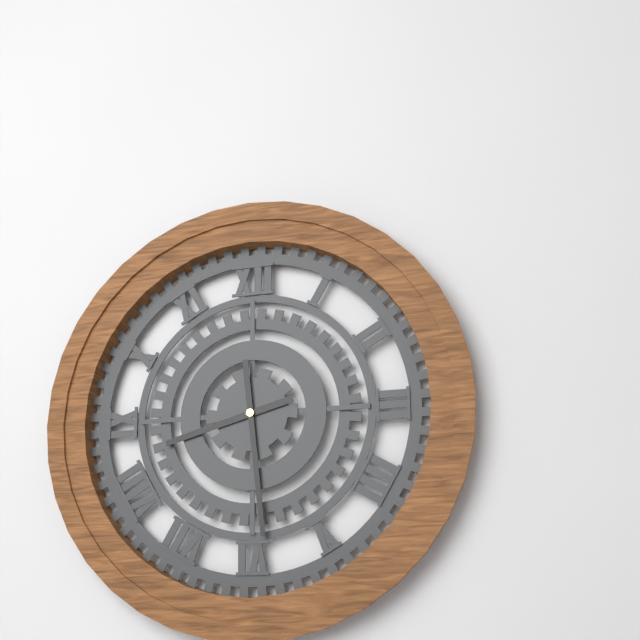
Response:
8.29
